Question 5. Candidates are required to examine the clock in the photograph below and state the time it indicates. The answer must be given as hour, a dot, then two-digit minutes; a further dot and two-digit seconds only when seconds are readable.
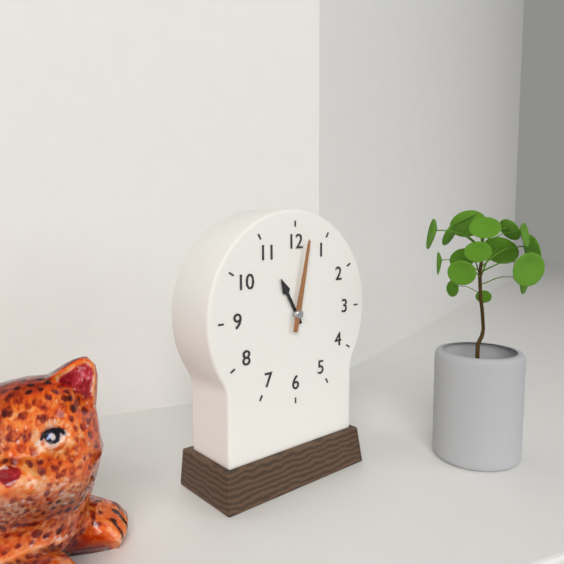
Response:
11.02
